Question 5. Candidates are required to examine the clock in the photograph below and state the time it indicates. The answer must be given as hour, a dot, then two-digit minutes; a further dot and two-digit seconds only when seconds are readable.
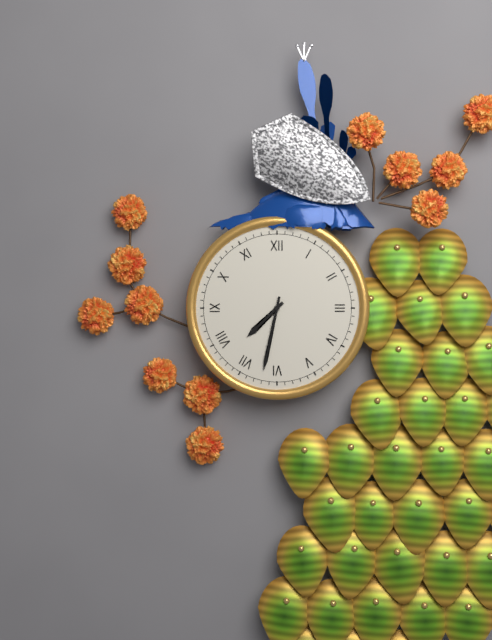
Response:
7.32
